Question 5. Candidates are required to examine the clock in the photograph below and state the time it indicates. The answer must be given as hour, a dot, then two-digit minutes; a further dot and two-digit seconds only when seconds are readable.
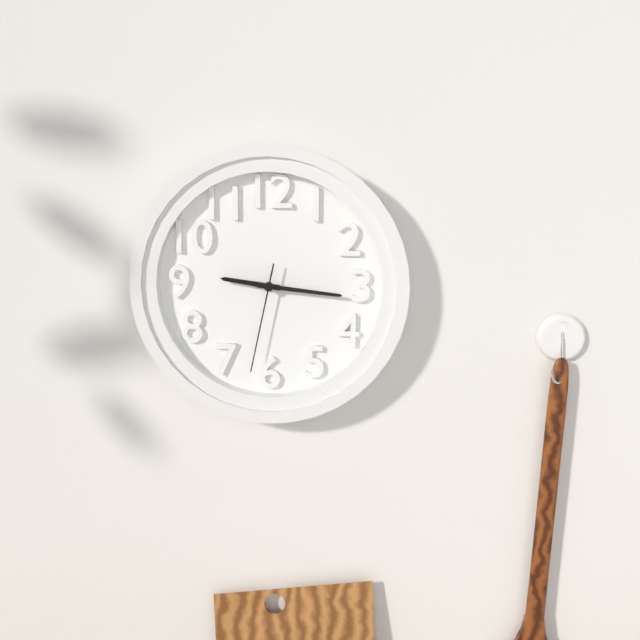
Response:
9.16.32
